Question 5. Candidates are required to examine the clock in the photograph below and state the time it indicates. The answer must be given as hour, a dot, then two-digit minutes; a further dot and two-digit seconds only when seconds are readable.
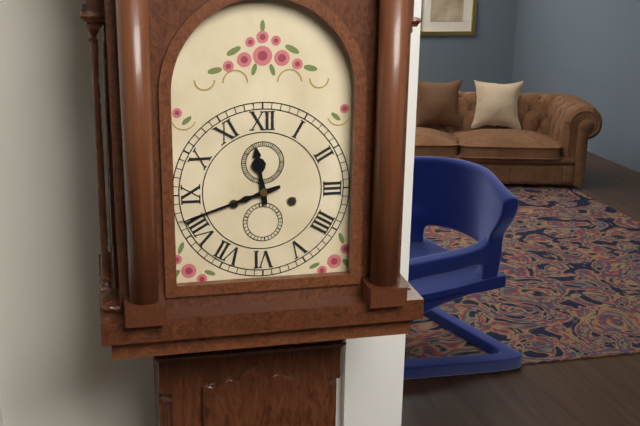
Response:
11.42
